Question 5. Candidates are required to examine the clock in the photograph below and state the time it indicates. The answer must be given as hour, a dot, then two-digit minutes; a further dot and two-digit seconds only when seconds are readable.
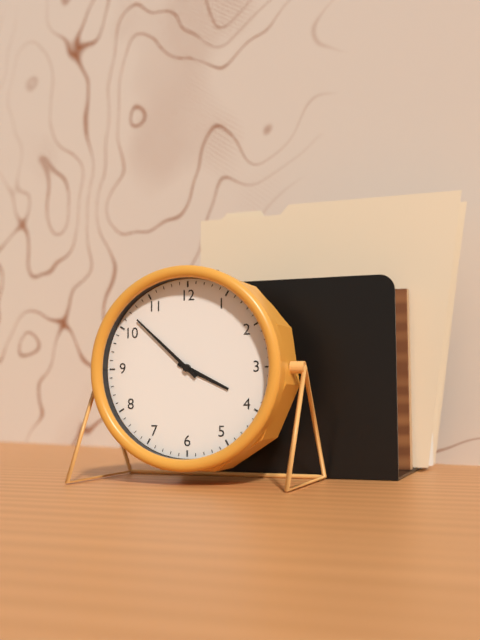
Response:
3.52
